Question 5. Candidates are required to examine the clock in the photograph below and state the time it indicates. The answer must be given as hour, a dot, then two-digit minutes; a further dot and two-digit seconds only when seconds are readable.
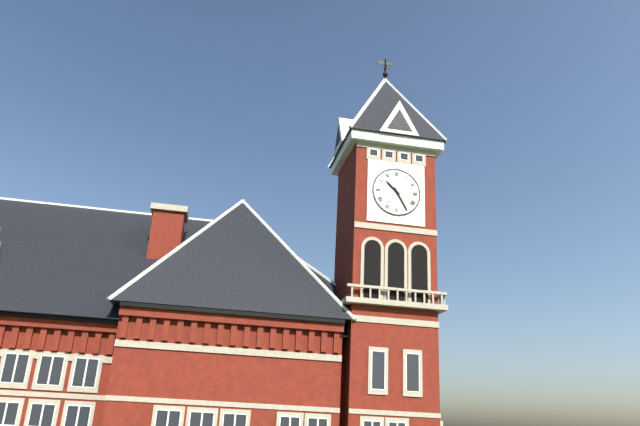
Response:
10.25
